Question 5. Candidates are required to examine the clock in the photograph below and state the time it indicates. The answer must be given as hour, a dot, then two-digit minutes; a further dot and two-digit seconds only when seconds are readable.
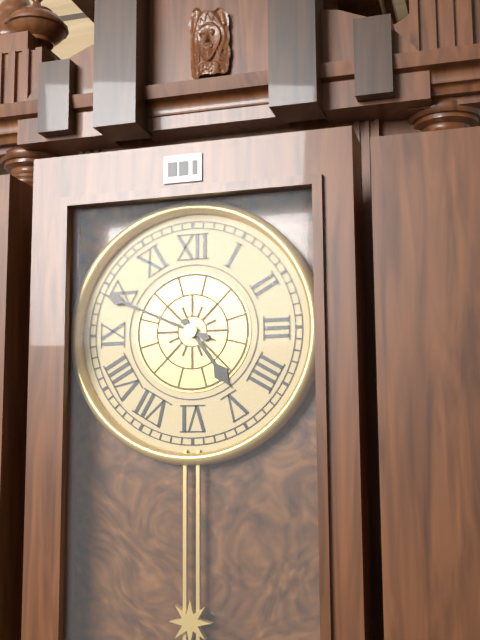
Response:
4.49
